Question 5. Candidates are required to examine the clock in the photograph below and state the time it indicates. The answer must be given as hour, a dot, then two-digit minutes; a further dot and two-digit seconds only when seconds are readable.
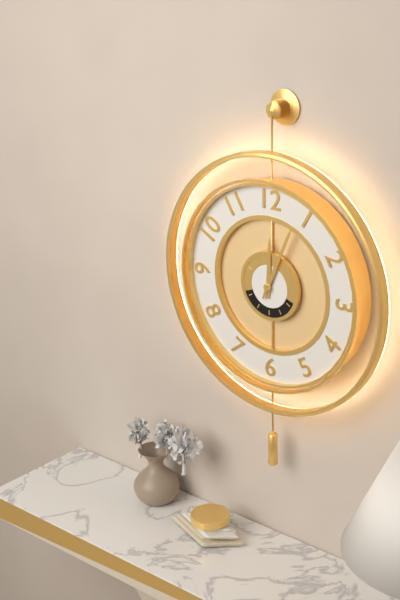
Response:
12.04
